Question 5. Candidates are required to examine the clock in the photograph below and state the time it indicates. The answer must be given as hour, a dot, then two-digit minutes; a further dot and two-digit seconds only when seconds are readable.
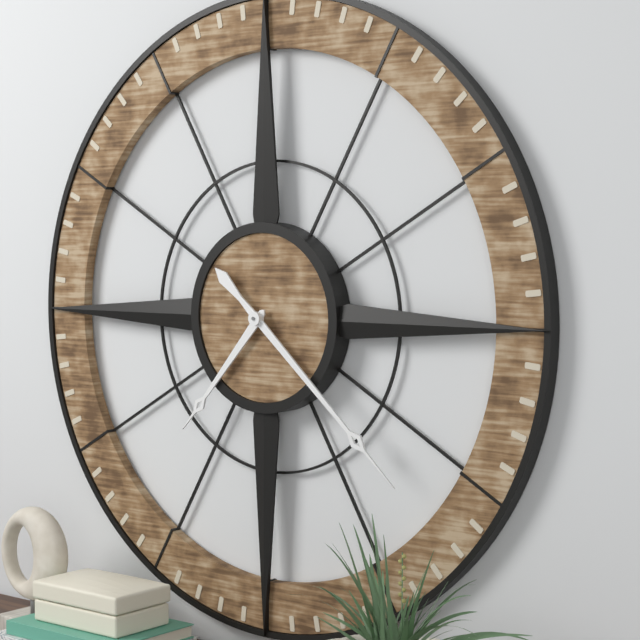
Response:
7.22
